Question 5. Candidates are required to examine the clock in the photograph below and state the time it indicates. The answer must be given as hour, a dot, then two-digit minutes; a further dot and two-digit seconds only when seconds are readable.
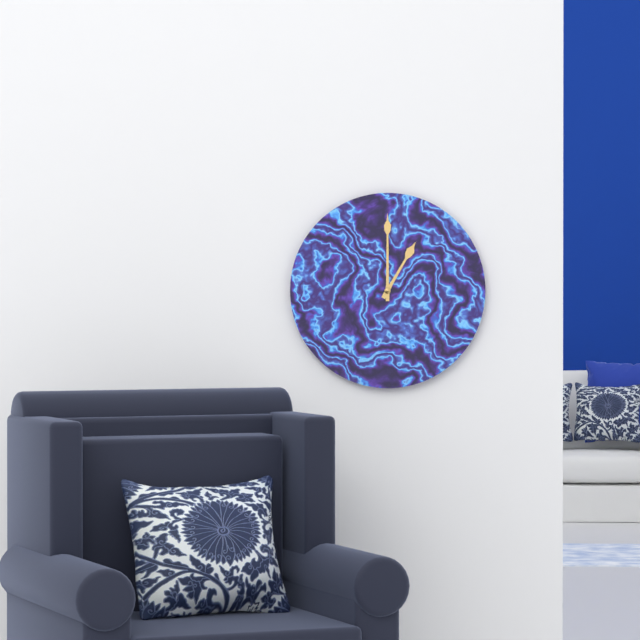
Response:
1.00
